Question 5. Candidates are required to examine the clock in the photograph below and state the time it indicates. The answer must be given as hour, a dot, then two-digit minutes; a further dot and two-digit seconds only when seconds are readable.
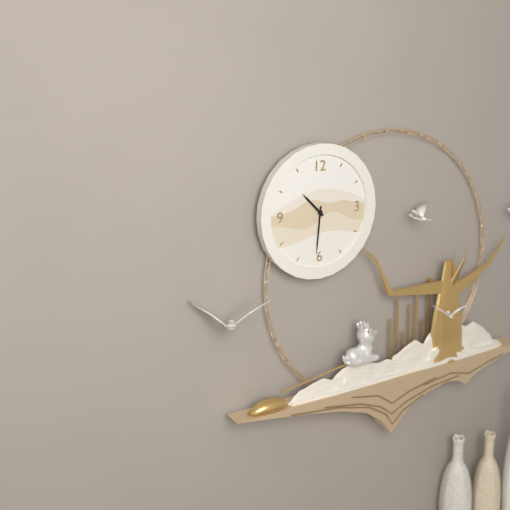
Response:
10.31
